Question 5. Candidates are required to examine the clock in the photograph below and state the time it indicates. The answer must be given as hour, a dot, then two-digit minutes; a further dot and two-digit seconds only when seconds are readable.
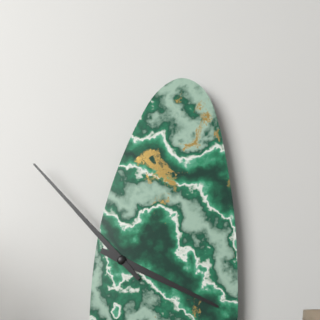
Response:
3.53
